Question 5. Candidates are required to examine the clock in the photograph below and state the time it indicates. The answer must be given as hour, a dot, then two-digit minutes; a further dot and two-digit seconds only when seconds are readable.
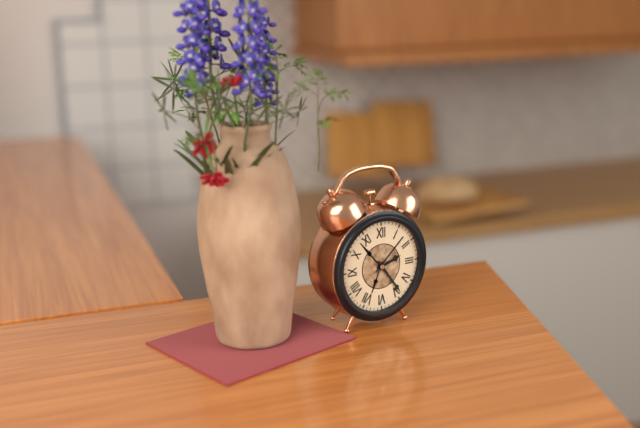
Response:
2.24
